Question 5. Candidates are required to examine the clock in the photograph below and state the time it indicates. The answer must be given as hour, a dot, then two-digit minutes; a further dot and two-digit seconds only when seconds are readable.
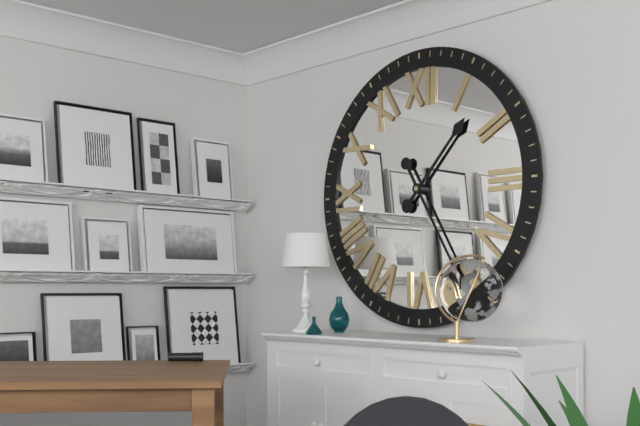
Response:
1.25
